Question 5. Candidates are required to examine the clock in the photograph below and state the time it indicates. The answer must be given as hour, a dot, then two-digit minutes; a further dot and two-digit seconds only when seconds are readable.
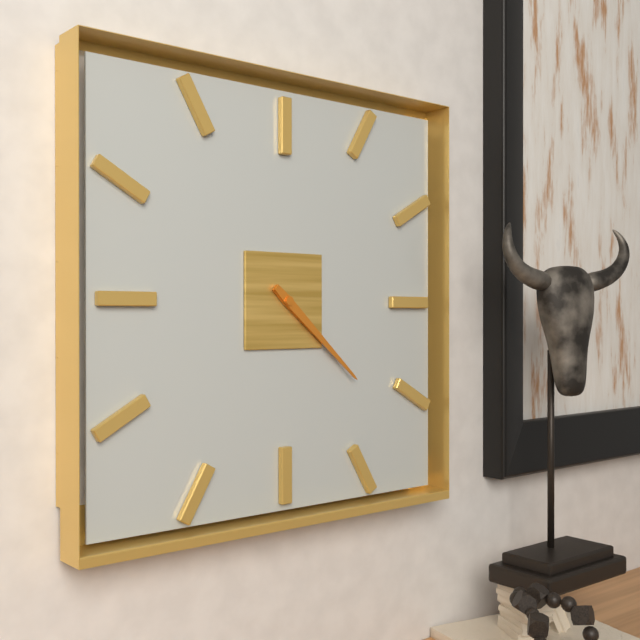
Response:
4.22
